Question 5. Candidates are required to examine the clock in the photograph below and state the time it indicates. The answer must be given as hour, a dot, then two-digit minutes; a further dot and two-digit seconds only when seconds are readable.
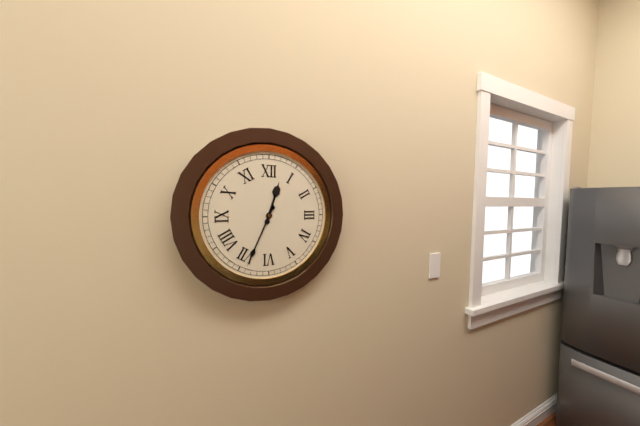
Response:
12.34
